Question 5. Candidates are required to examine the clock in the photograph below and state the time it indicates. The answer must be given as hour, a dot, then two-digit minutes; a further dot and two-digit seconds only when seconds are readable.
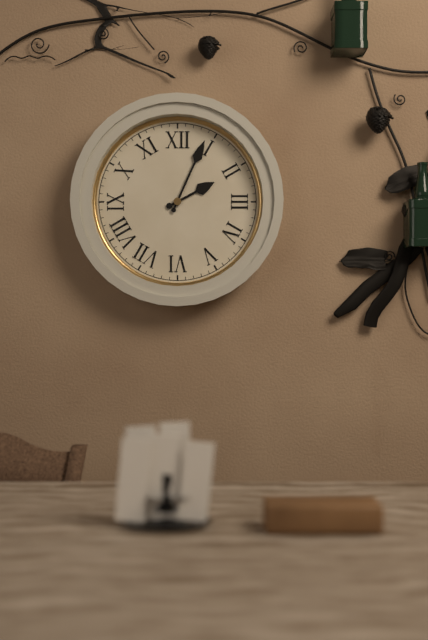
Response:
2.04
